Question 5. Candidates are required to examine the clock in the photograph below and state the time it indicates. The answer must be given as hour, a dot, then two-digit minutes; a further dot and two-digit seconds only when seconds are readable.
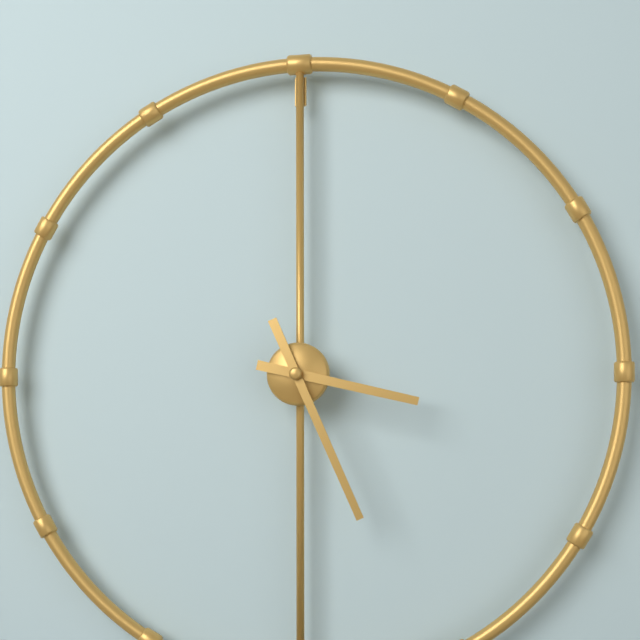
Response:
3.26
